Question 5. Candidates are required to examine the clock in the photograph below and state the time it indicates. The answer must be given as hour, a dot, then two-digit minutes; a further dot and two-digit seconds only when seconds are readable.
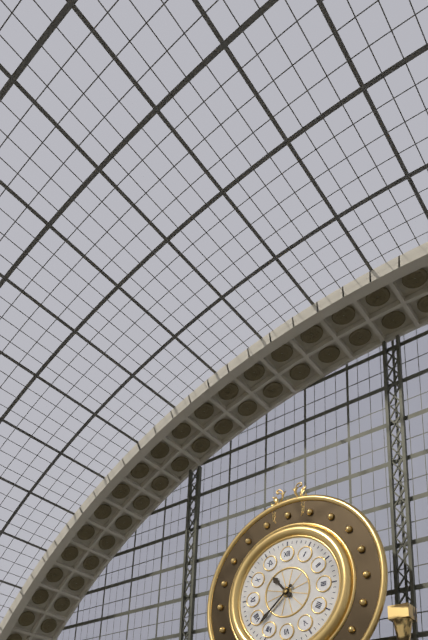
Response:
10.38
